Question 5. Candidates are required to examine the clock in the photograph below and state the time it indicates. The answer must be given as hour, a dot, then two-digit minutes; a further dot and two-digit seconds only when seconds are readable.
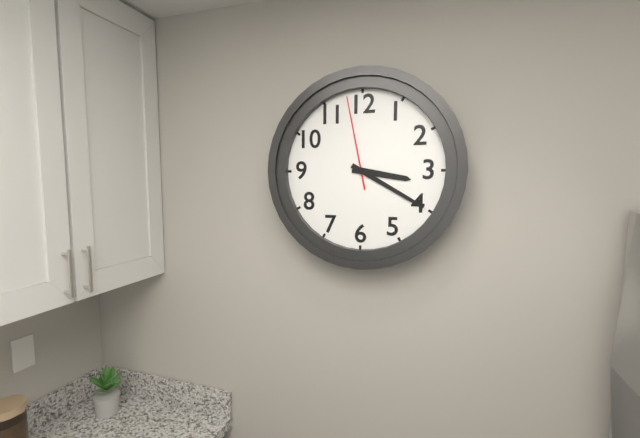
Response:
3.20.58
